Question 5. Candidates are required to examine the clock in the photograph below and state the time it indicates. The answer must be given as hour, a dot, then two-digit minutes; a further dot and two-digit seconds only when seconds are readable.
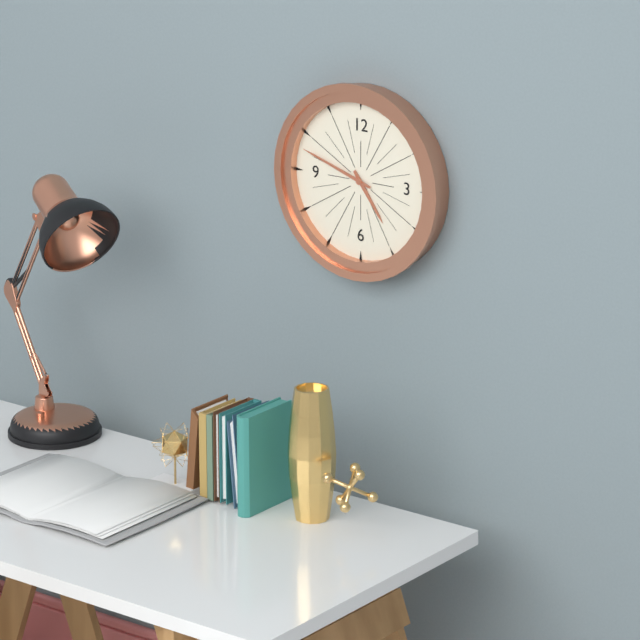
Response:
4.48
